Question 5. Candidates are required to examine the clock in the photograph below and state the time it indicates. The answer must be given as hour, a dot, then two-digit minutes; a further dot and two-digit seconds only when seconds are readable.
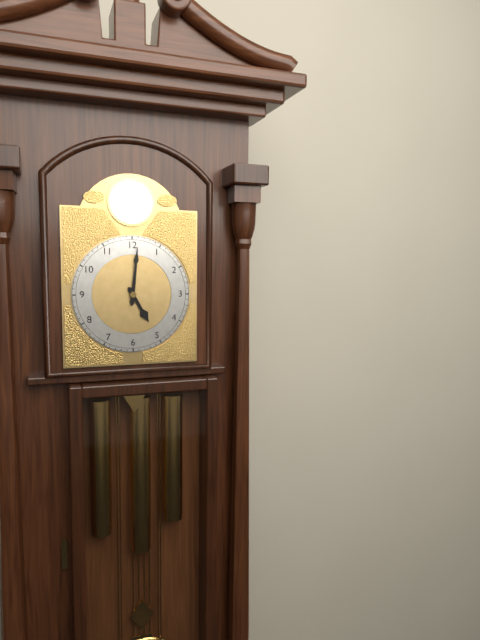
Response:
5.01
